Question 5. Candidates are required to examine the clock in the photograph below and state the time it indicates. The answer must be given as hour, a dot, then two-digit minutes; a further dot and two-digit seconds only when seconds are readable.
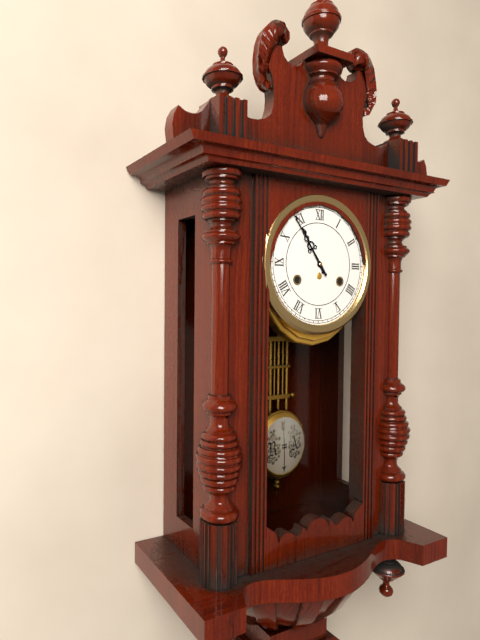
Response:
10.54
